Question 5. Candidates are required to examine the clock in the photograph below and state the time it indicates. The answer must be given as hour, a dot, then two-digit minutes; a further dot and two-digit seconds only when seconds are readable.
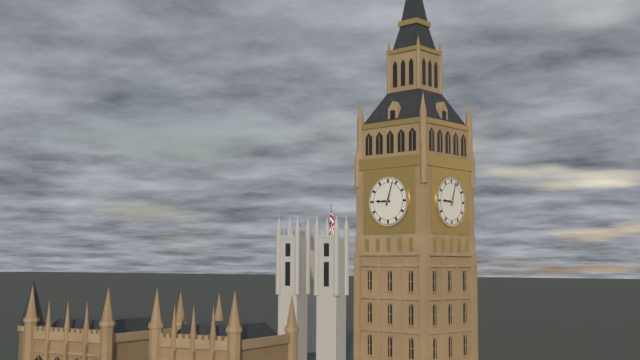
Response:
9.03
